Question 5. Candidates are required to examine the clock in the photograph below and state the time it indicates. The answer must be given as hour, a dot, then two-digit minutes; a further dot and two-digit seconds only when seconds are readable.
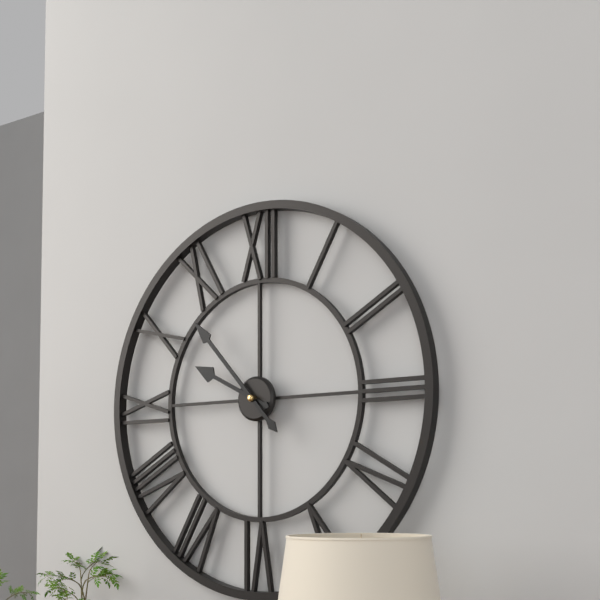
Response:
9.53
